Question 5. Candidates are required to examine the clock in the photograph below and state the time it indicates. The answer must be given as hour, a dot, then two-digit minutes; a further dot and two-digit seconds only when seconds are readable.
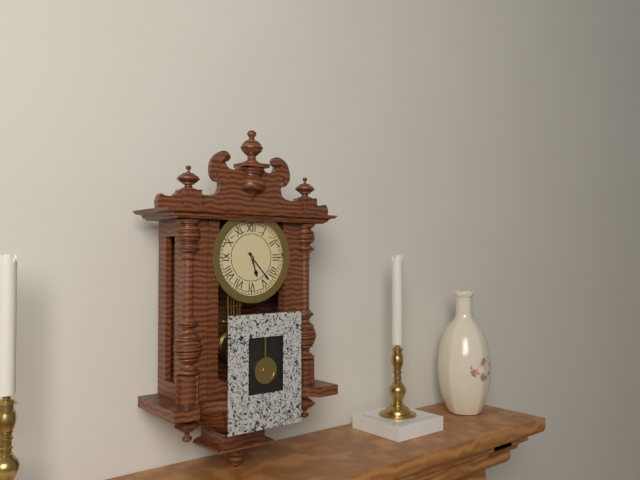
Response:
5.23
